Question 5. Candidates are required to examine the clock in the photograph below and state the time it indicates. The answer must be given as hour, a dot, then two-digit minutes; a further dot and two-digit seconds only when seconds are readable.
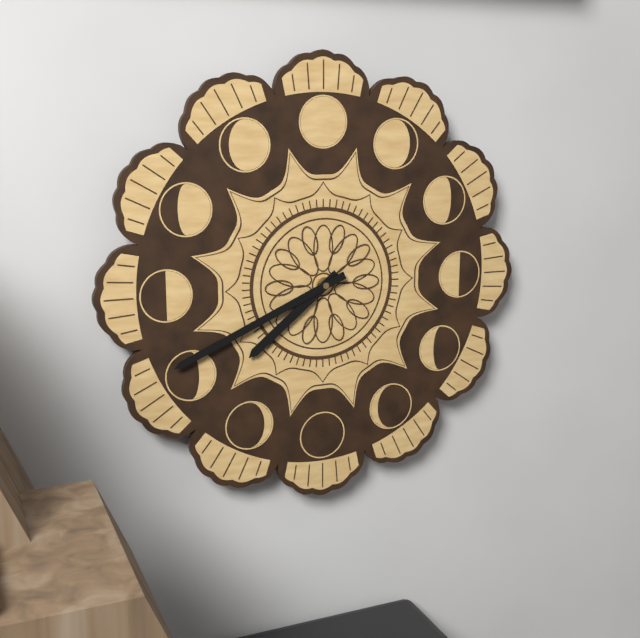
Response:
7.41
